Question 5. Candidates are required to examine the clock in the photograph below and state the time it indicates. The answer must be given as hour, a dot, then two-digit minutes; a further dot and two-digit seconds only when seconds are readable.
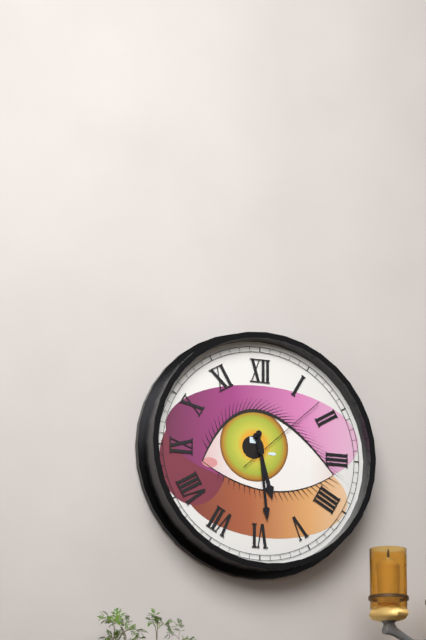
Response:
5.29.08
